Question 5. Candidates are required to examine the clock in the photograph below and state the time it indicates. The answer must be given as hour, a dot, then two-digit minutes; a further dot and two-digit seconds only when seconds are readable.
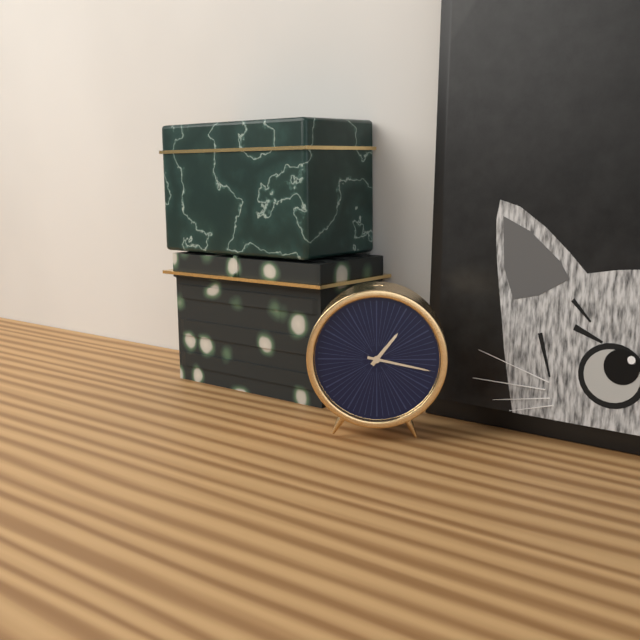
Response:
1.17
